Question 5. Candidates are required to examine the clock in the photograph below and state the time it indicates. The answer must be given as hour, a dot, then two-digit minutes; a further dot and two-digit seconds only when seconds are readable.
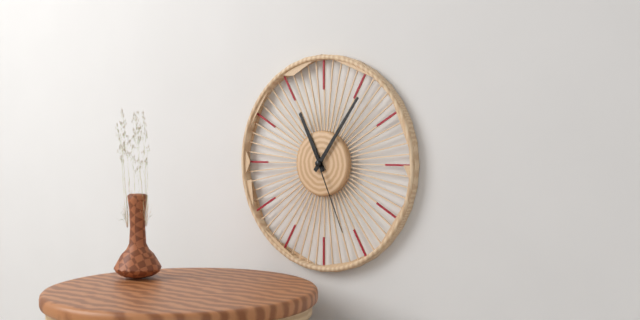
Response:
11.06.26
